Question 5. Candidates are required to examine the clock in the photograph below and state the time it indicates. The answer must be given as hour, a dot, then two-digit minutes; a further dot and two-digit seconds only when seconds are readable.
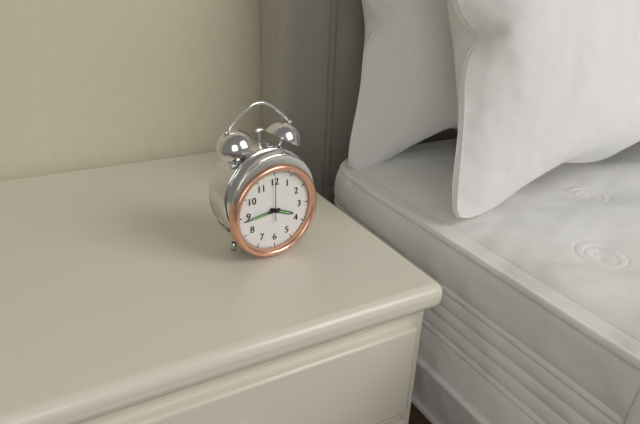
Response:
3.44
